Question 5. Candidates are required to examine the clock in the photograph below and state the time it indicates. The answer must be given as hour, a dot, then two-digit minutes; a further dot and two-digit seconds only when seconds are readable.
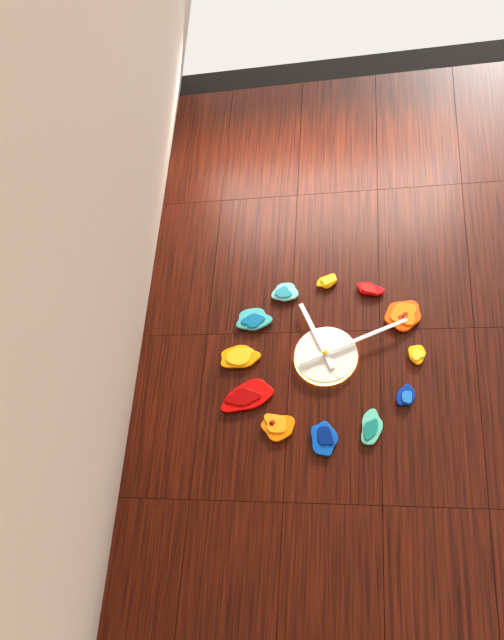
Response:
11.11
